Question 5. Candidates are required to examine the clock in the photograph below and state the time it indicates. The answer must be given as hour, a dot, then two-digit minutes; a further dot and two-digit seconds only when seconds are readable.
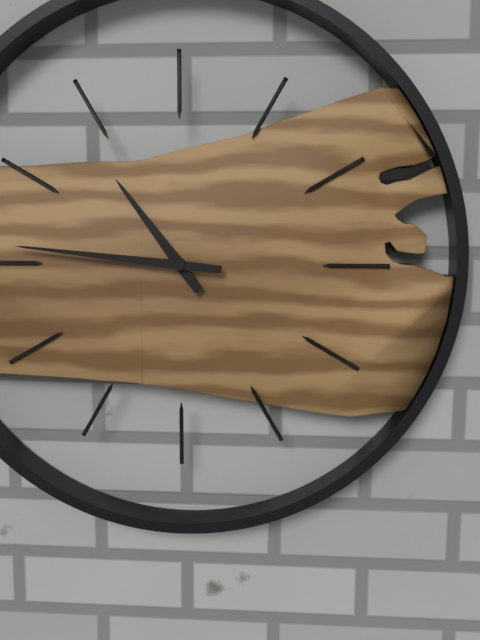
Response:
10.46
